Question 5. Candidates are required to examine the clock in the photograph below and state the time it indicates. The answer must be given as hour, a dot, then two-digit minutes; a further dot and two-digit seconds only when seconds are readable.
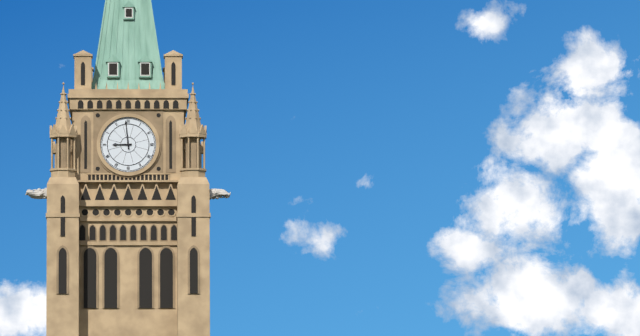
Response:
8.59
